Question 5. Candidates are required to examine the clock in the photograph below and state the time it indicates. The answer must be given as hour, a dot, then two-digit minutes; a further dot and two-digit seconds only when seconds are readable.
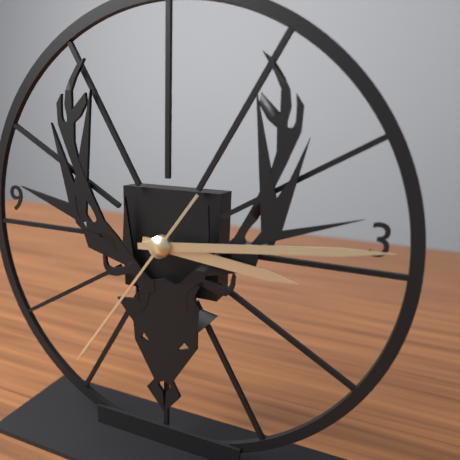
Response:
3.14.36
